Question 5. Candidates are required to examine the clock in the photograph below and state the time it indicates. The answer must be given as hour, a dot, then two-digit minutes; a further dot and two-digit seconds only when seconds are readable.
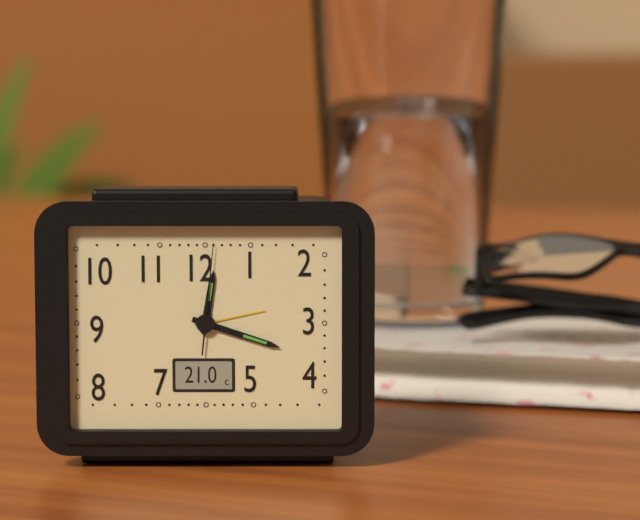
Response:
12.18.01
